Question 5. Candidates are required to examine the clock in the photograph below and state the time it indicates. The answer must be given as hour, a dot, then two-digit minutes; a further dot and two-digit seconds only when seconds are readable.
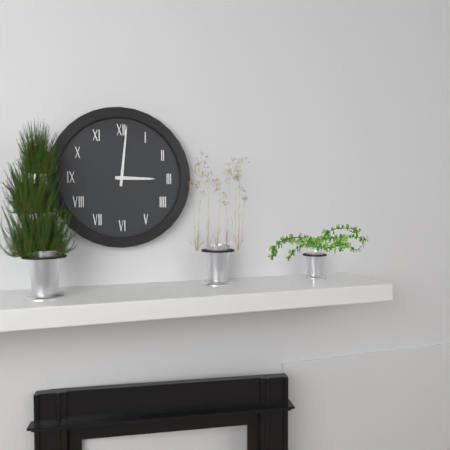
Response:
3.01
